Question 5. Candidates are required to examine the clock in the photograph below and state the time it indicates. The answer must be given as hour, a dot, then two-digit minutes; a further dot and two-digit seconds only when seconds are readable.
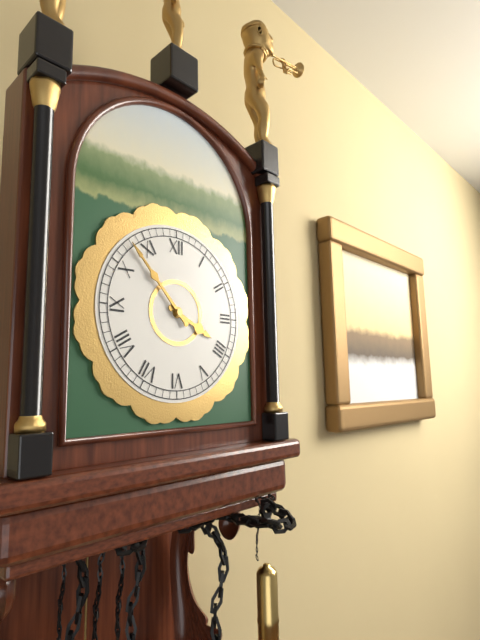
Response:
3.53
